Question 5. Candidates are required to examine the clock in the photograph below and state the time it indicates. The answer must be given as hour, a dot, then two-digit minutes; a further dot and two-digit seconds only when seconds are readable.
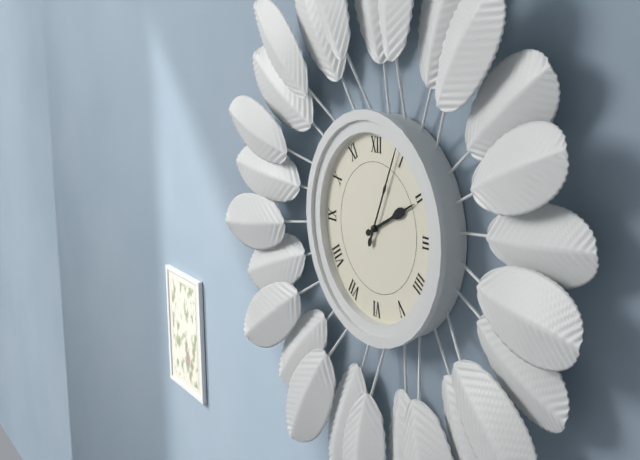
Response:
2.04
